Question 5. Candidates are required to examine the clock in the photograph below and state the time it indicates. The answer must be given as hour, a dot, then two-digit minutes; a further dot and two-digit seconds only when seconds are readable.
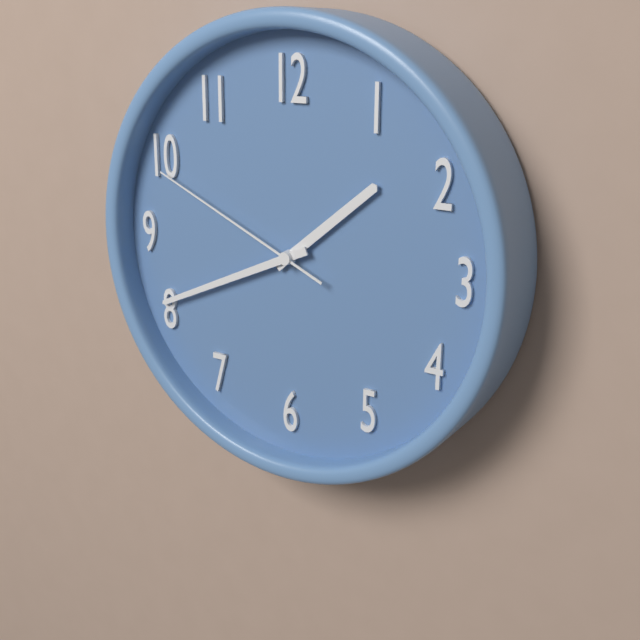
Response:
1.41.49
